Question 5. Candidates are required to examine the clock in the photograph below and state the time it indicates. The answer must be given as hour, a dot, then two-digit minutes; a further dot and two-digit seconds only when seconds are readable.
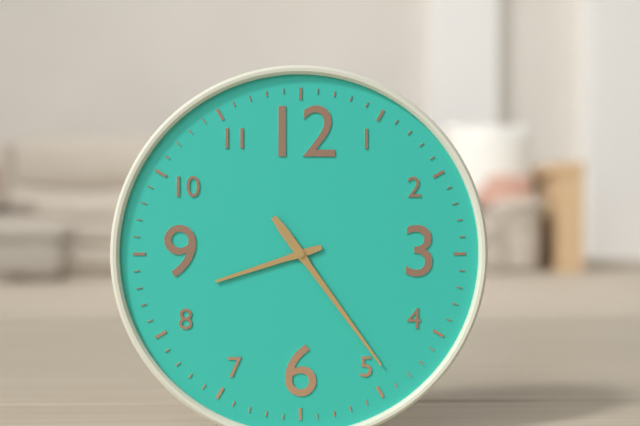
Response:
8.24
